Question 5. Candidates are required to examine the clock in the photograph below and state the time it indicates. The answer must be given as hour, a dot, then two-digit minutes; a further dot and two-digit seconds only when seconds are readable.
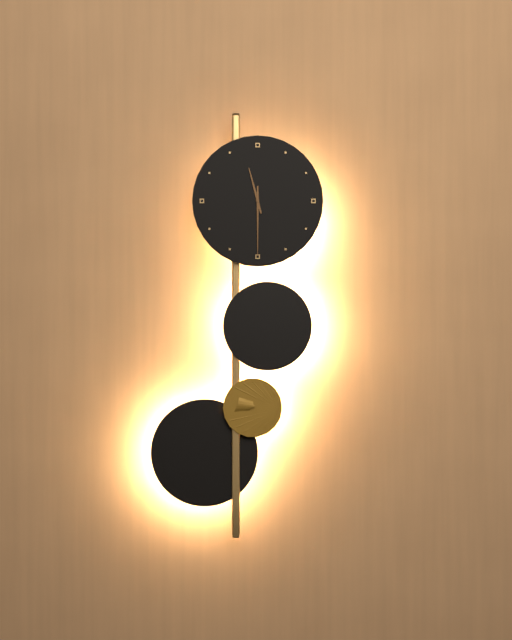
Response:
11.30
